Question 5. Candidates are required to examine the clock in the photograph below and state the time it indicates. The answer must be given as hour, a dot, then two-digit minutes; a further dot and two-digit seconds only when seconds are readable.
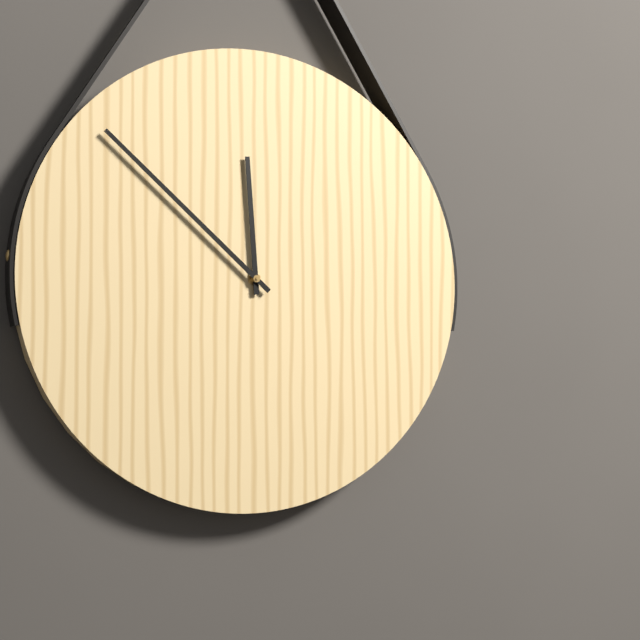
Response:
11.52
